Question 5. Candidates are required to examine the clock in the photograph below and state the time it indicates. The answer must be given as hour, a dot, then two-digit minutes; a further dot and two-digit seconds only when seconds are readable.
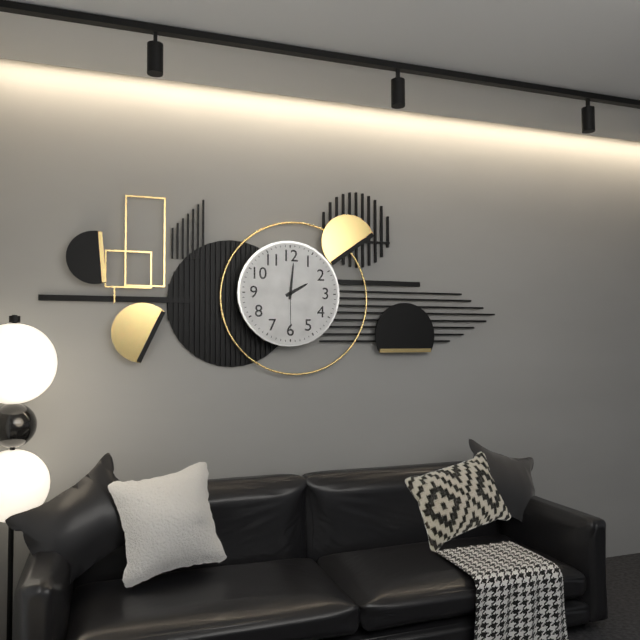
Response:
2.01
